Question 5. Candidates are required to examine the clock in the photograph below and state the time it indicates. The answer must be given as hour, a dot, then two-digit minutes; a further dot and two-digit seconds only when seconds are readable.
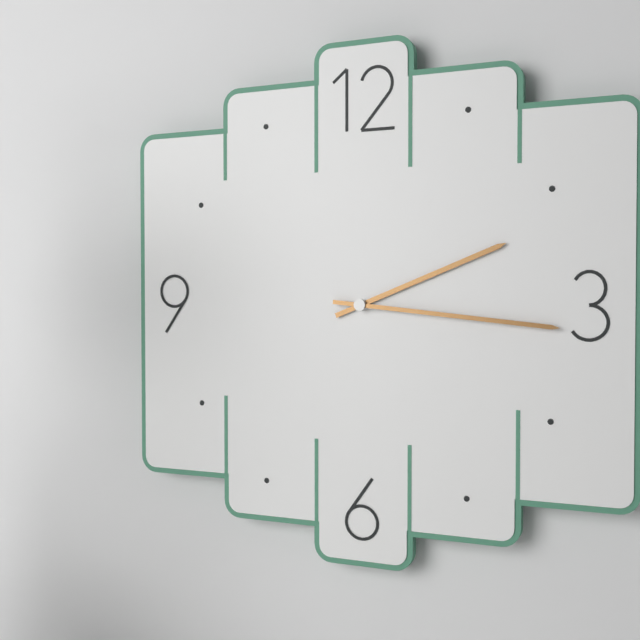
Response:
2.16
